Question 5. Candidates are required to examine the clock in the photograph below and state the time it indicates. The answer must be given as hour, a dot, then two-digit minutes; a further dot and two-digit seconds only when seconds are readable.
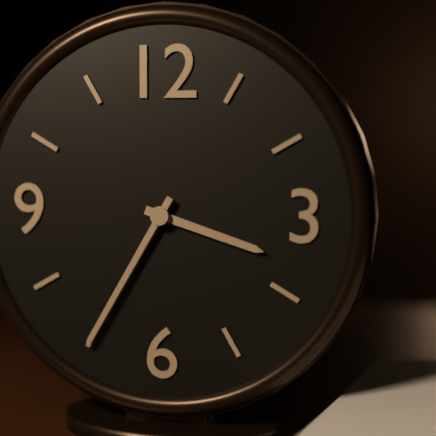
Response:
3.35
